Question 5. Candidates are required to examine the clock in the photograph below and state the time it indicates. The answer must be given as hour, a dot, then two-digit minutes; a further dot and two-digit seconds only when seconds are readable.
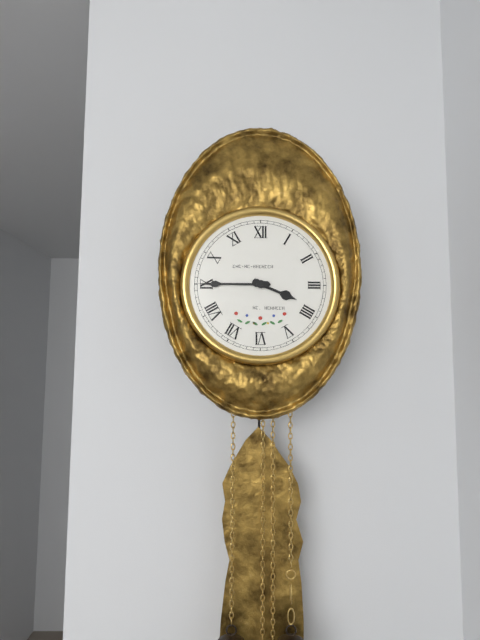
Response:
3.45
